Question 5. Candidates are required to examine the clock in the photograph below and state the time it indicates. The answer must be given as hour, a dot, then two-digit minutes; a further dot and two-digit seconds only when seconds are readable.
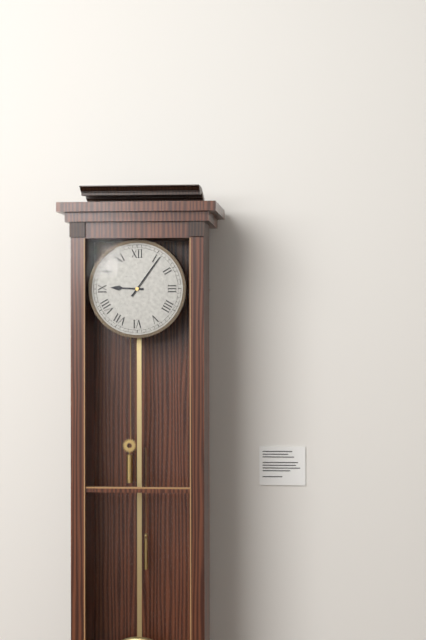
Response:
9.06
